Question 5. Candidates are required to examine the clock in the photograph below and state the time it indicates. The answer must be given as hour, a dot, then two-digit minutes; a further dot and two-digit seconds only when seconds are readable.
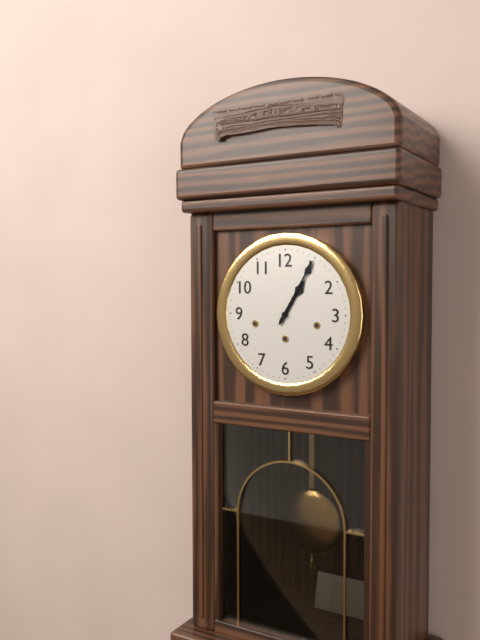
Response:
1.05
